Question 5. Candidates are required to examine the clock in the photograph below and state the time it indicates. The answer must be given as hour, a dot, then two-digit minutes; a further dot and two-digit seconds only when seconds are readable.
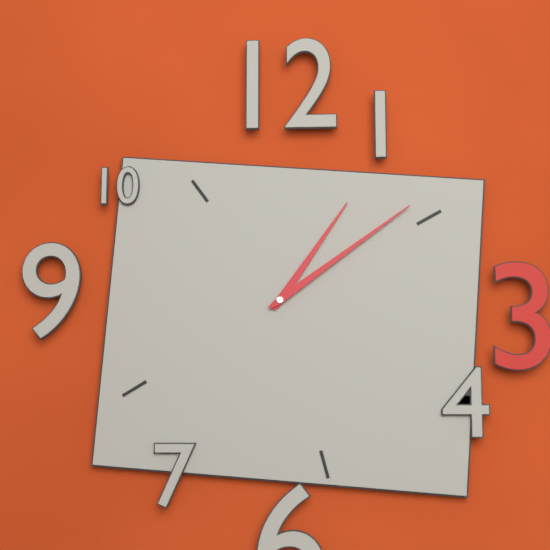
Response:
1.09
